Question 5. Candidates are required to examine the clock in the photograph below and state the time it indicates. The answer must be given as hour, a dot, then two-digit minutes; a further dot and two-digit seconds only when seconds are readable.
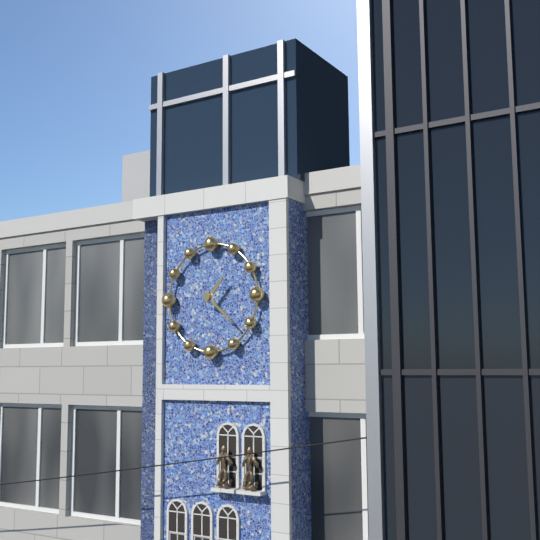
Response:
1.22
